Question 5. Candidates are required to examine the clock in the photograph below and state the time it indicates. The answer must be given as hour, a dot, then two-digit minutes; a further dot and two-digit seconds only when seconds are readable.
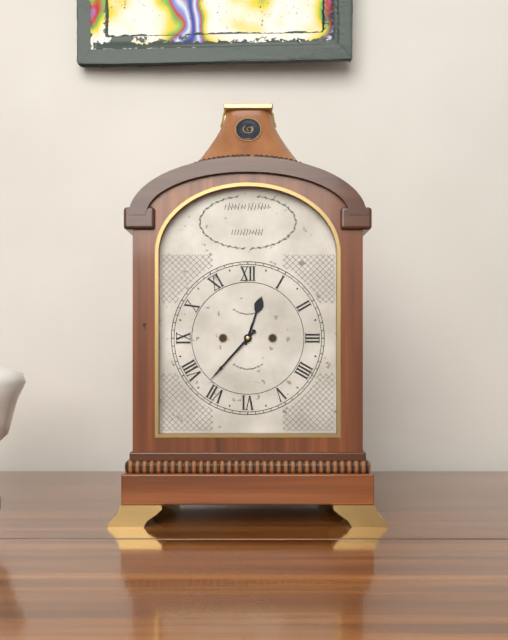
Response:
12.37
